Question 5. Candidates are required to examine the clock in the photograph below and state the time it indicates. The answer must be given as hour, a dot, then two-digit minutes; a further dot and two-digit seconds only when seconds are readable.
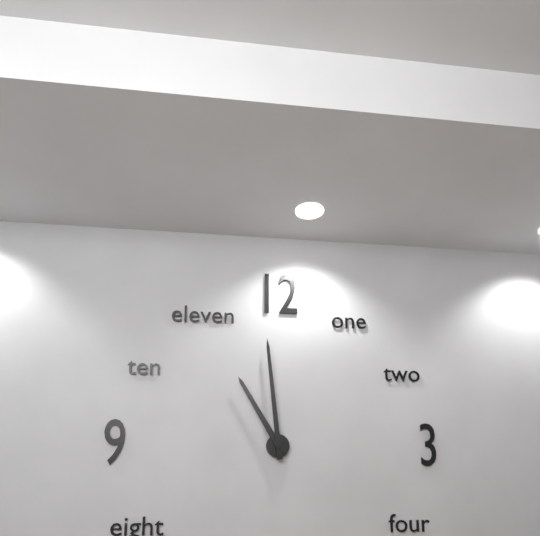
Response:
10.59
